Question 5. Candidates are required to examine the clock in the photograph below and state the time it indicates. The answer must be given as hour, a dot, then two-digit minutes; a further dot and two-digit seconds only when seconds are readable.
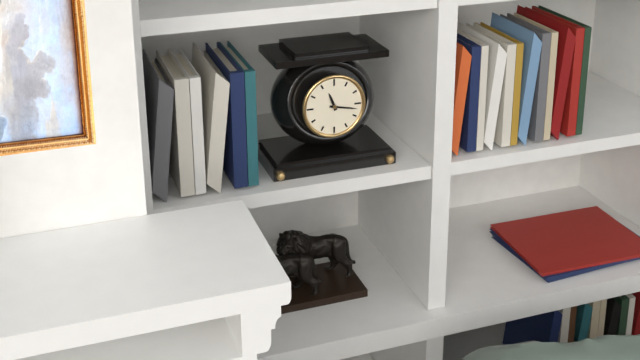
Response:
11.17
